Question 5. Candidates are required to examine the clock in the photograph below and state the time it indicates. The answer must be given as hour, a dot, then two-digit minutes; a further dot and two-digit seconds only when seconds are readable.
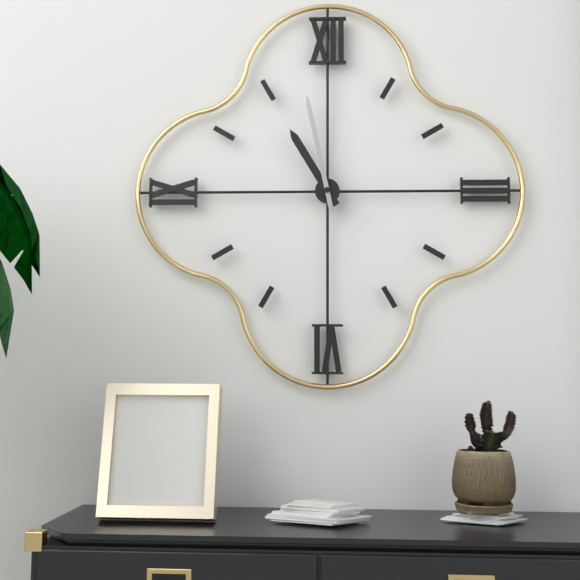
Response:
10.58
